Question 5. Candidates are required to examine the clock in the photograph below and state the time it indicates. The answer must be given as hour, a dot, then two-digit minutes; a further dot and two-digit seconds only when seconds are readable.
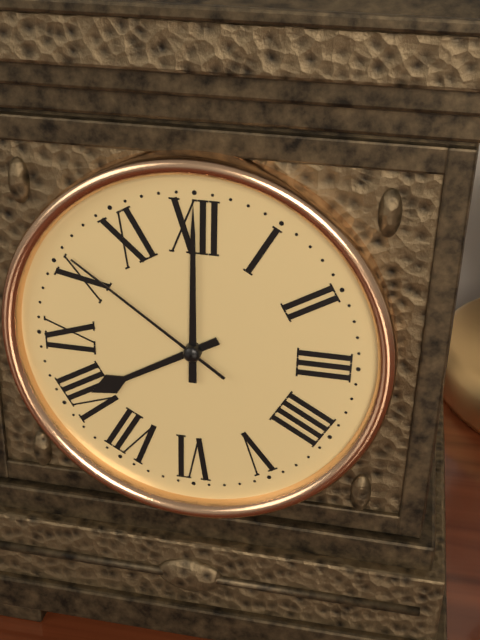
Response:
8.00.51
